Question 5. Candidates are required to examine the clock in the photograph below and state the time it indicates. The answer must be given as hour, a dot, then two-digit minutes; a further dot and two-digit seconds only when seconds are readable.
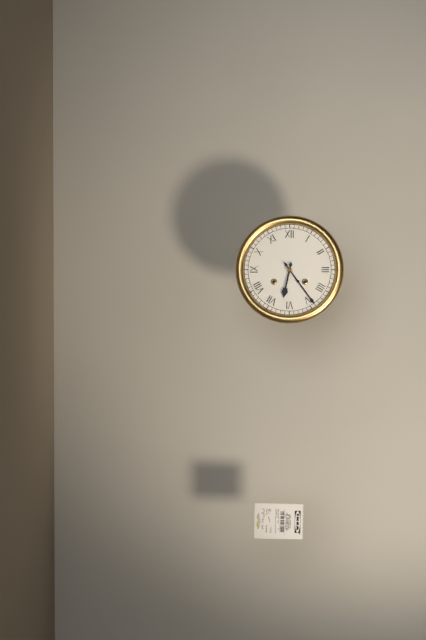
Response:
6.24
